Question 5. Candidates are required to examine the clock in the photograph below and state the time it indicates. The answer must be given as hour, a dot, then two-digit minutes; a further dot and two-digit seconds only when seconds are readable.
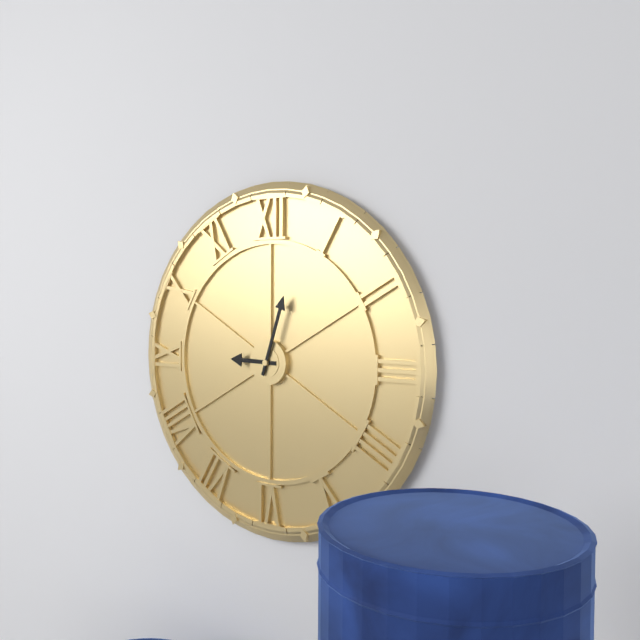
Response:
9.03
